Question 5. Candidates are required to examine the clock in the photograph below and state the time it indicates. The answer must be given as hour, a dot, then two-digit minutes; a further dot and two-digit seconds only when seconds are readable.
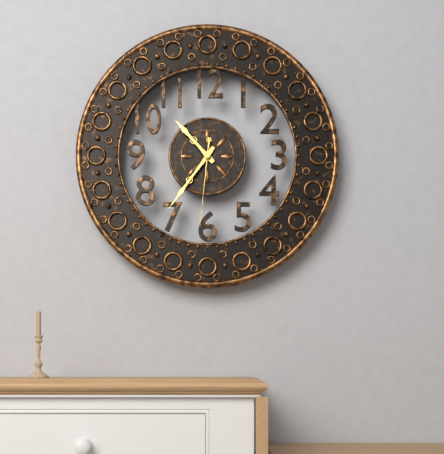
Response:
10.36.31
